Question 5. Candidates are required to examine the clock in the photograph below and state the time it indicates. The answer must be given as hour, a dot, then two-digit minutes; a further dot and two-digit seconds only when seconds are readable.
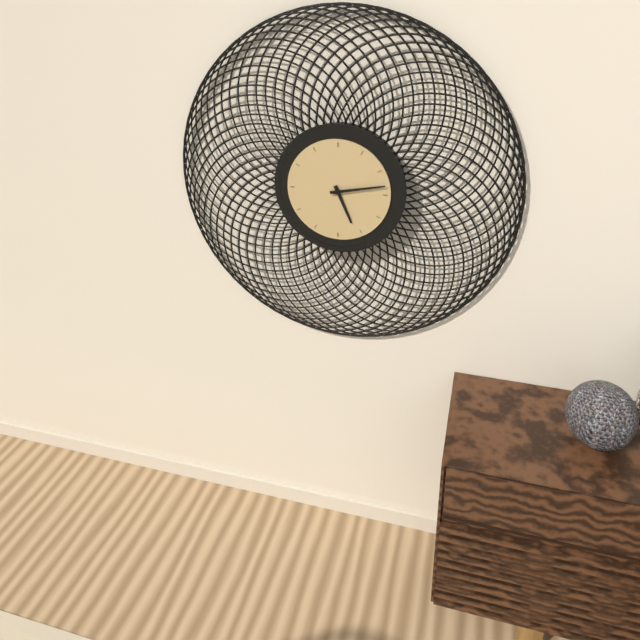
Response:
5.13
